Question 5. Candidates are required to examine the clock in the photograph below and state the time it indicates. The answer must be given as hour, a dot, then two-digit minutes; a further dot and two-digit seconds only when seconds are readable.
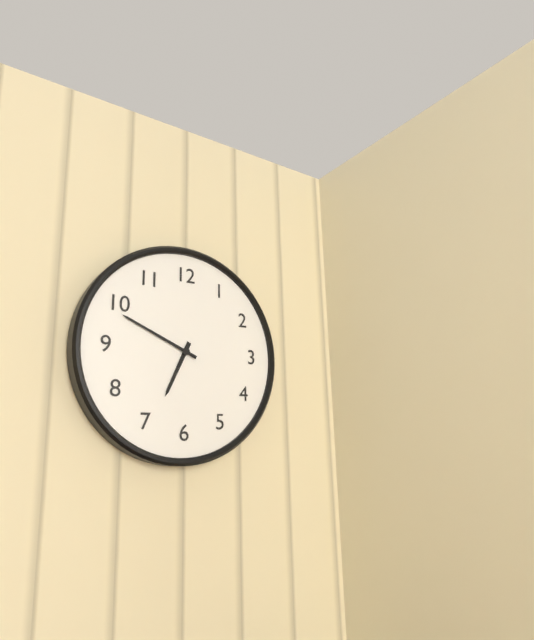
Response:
6.49
